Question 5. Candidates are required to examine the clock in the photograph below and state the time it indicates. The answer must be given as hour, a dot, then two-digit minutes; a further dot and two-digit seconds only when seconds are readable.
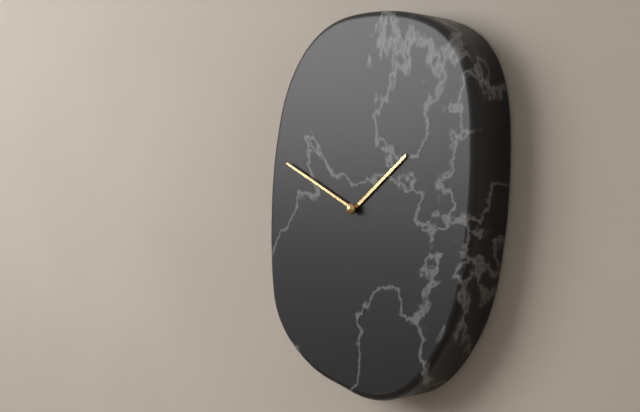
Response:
1.49
